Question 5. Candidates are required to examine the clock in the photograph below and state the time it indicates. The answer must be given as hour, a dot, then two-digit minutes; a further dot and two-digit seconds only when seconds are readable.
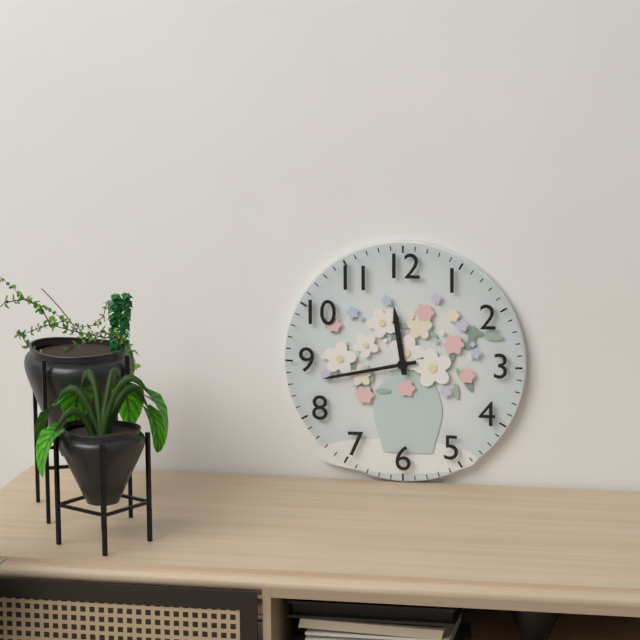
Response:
11.43
